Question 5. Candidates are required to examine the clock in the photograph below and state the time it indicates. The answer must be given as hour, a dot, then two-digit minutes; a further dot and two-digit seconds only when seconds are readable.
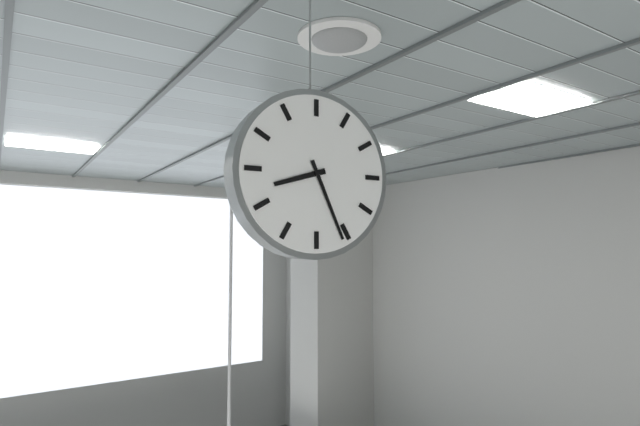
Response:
8.26
